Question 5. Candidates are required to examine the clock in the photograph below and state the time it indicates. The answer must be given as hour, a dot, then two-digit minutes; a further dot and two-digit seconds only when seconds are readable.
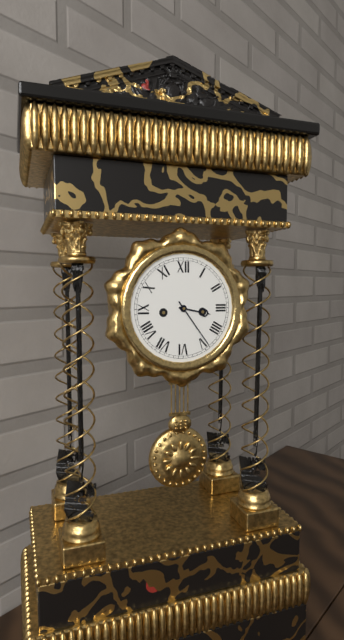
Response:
3.24
